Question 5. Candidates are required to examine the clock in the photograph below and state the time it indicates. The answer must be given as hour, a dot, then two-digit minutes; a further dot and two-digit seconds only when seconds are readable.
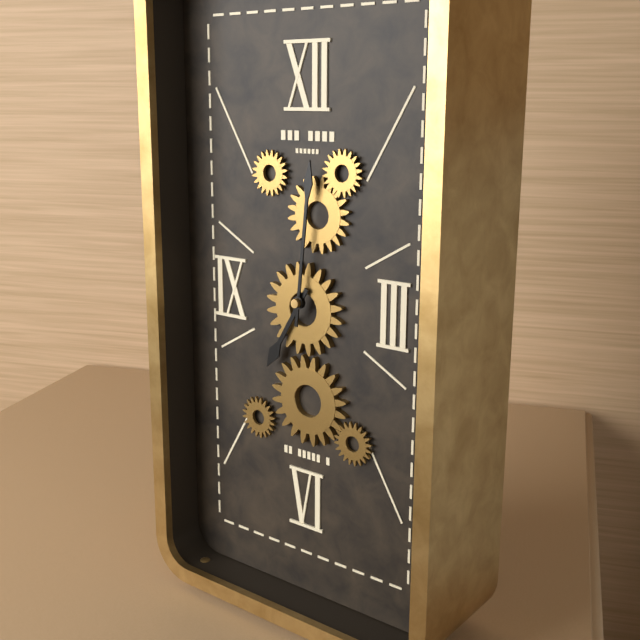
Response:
7.01
